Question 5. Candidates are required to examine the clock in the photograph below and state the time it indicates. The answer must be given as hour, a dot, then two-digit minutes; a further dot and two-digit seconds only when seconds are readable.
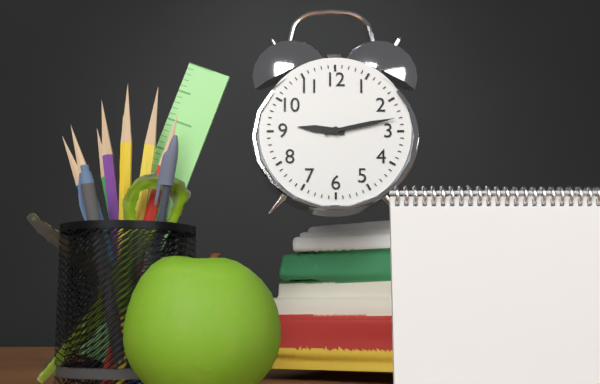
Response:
9.13
